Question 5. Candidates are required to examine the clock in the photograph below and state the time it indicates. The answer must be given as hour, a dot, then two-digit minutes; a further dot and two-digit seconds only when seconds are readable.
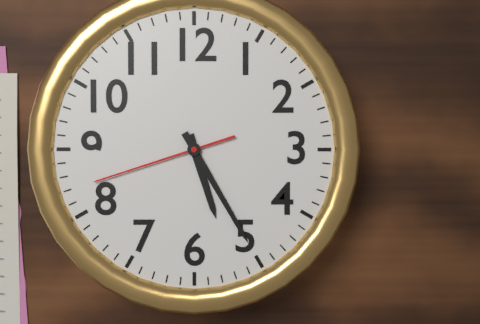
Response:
5.25.42
